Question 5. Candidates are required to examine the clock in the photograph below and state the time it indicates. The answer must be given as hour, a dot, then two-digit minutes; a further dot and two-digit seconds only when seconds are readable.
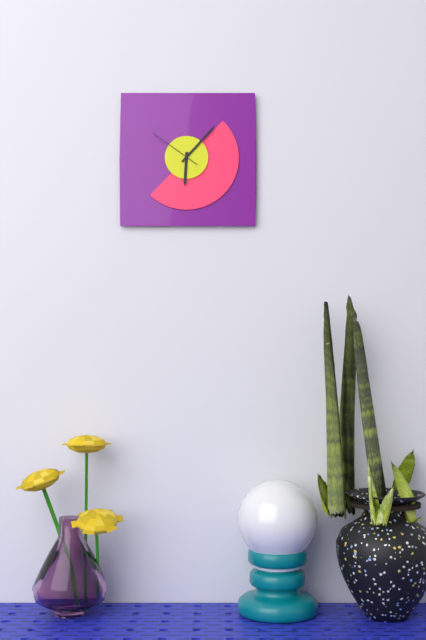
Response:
6.07.51
